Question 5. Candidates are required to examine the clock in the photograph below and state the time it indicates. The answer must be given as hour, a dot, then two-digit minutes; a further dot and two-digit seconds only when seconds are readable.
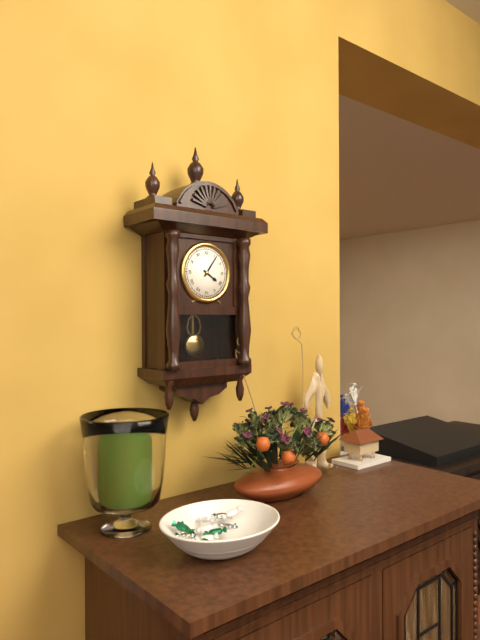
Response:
4.06
